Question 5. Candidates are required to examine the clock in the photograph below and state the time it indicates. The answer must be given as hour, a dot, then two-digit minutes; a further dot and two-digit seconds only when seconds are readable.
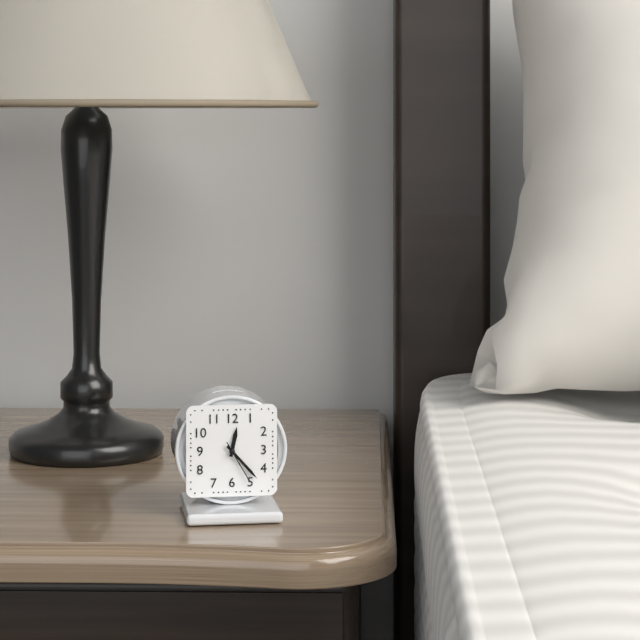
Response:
12.23
